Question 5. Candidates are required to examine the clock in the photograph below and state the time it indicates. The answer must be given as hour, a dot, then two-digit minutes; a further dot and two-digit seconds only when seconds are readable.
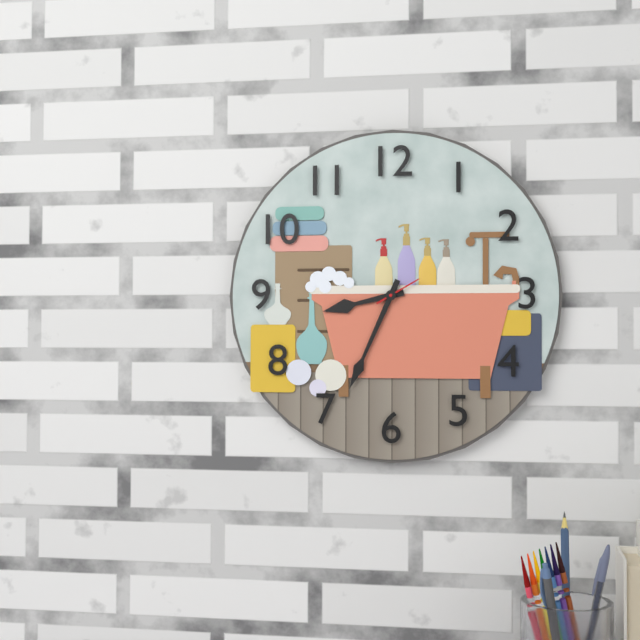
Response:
8.34
